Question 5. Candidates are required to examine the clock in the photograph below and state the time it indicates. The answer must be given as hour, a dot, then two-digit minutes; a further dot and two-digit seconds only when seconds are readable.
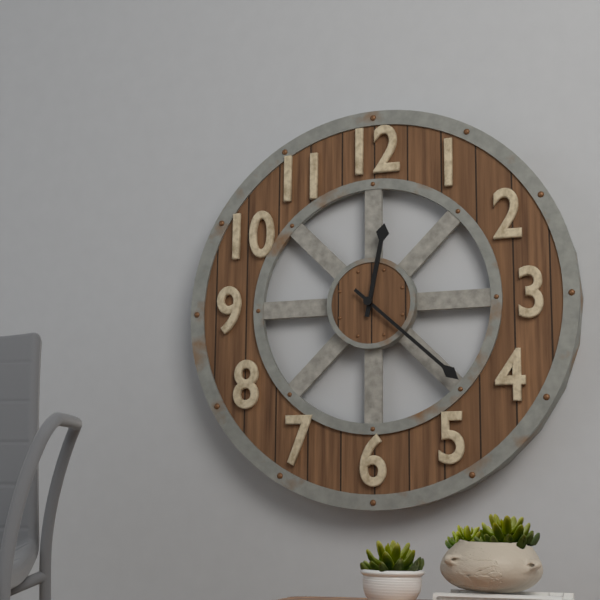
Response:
12.22
